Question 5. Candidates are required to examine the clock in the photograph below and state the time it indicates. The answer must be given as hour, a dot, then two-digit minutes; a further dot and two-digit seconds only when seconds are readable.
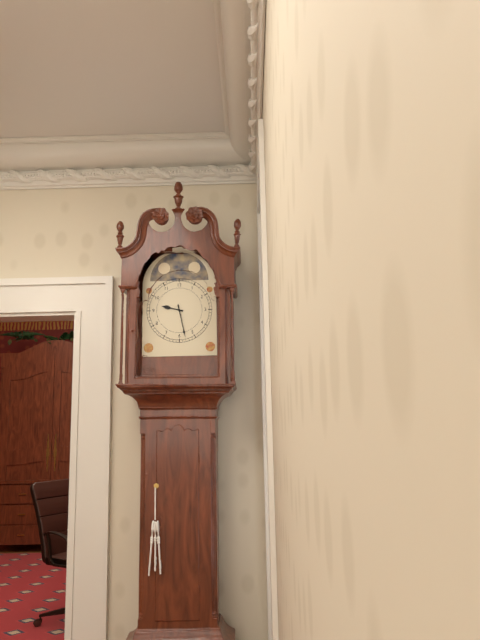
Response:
9.28
